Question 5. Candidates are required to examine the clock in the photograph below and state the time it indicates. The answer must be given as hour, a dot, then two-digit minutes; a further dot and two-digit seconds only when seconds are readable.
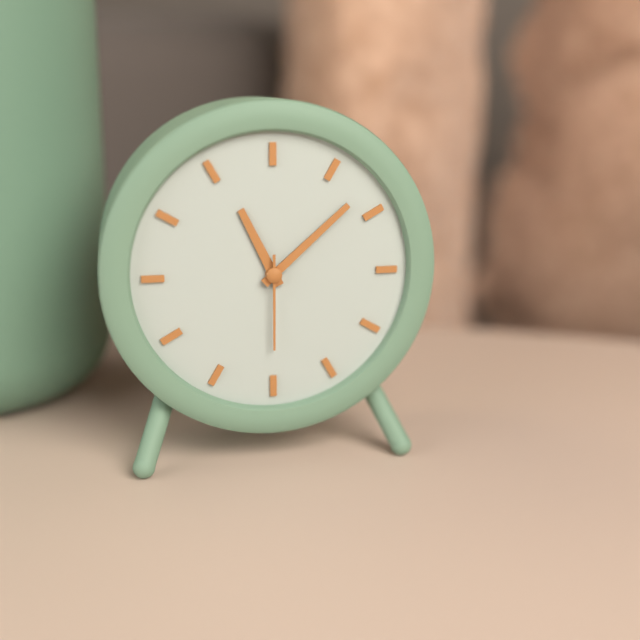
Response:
11.08.30
